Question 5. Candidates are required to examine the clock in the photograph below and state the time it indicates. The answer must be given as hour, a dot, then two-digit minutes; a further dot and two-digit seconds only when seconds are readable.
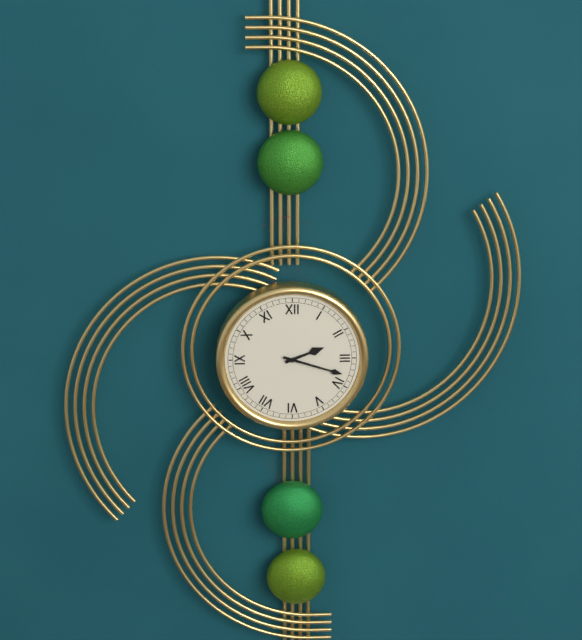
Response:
2.18
